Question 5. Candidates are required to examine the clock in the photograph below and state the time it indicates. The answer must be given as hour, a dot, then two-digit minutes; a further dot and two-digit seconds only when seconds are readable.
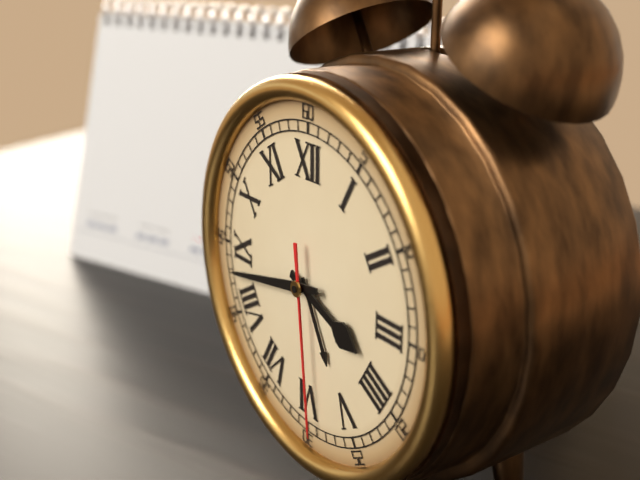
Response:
3.43.29
